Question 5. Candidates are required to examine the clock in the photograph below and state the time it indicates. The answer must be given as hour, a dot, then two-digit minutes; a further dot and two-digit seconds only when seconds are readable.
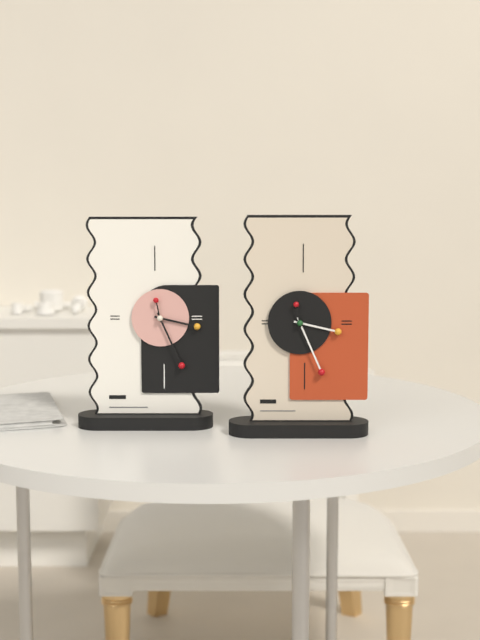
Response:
3.26
